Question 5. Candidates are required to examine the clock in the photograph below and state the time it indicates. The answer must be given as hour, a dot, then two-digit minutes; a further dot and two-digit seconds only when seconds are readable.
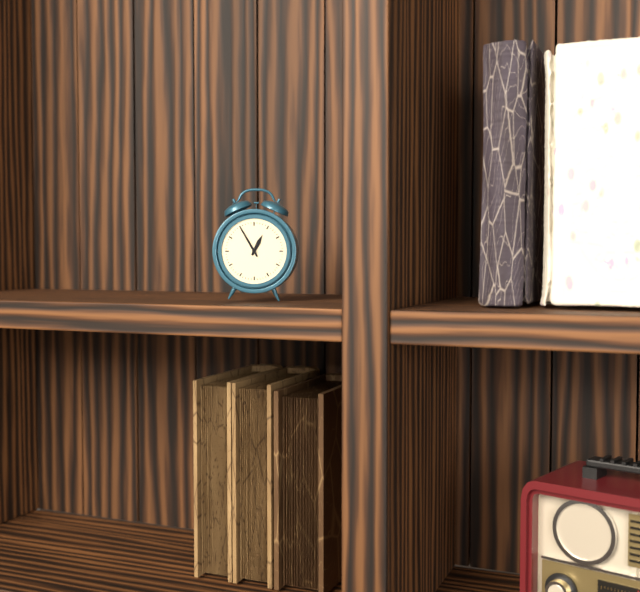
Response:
12.55
